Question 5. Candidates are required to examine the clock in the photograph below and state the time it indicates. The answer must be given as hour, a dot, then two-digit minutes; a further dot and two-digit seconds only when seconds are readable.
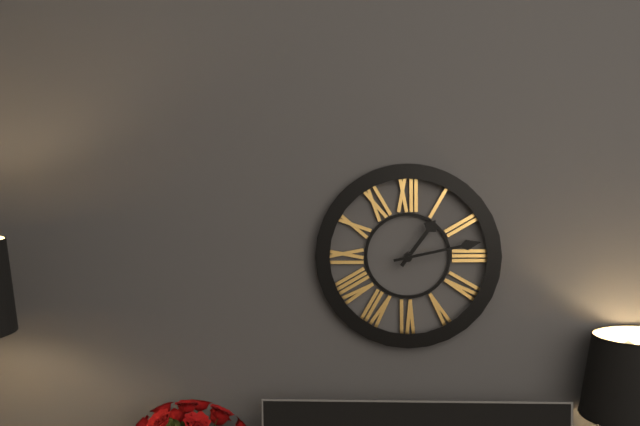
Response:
1.13
